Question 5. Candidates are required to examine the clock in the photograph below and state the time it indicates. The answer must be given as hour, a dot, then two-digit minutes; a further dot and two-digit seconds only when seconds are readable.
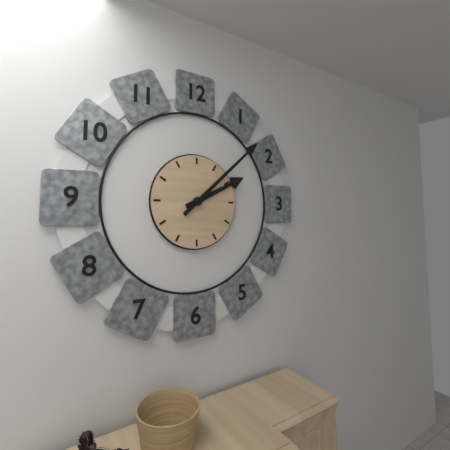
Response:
2.08
